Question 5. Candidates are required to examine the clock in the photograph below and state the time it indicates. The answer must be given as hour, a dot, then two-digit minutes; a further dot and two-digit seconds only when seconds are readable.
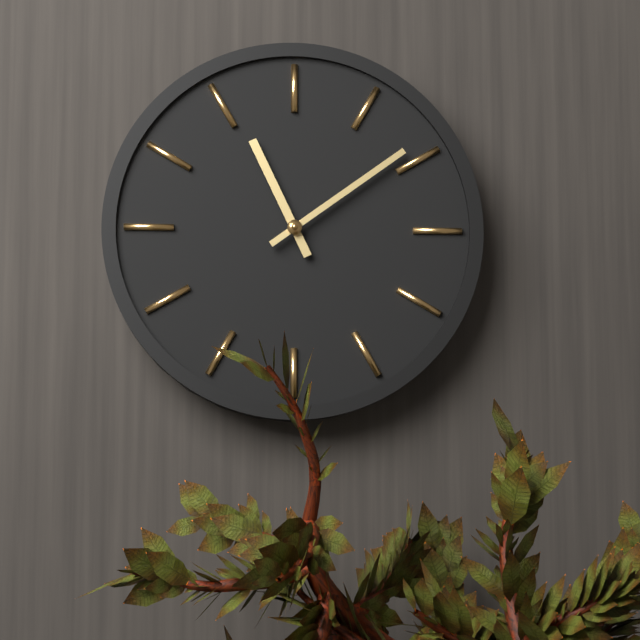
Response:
11.09
